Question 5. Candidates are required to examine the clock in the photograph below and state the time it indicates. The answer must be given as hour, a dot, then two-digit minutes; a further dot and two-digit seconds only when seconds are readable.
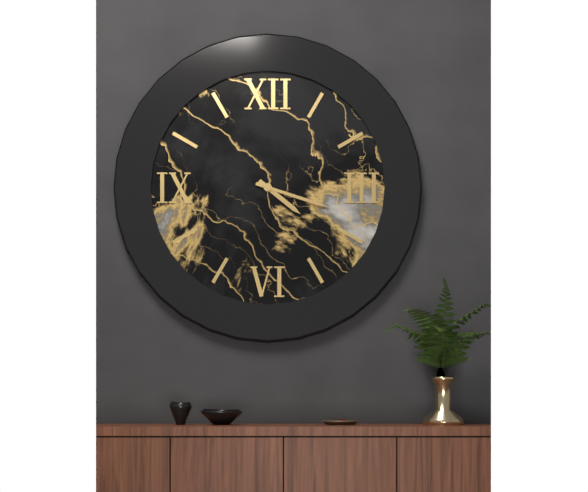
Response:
4.18
